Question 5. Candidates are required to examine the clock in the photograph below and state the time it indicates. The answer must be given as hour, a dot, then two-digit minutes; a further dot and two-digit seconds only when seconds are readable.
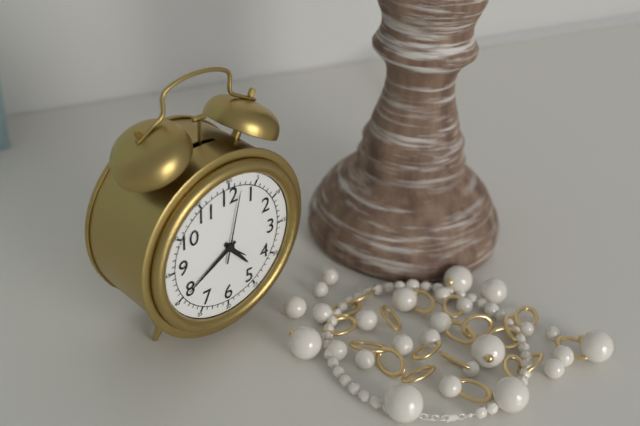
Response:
4.40.02
